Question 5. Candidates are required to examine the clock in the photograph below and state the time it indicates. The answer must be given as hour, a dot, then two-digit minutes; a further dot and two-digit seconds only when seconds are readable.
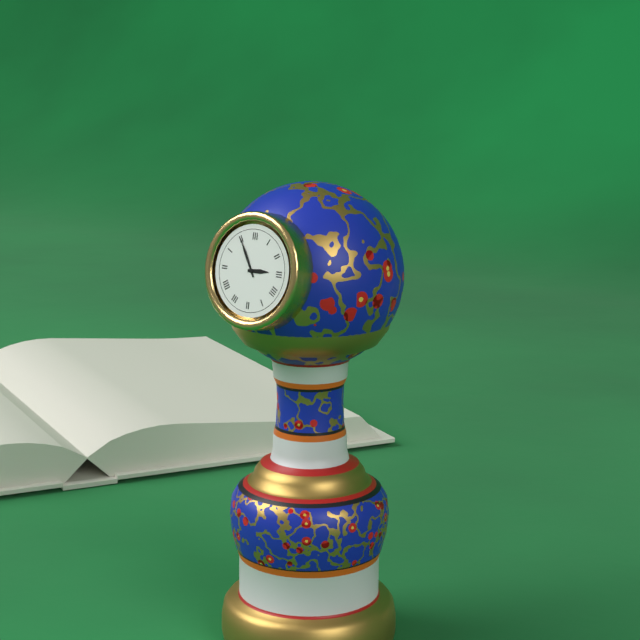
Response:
2.55
